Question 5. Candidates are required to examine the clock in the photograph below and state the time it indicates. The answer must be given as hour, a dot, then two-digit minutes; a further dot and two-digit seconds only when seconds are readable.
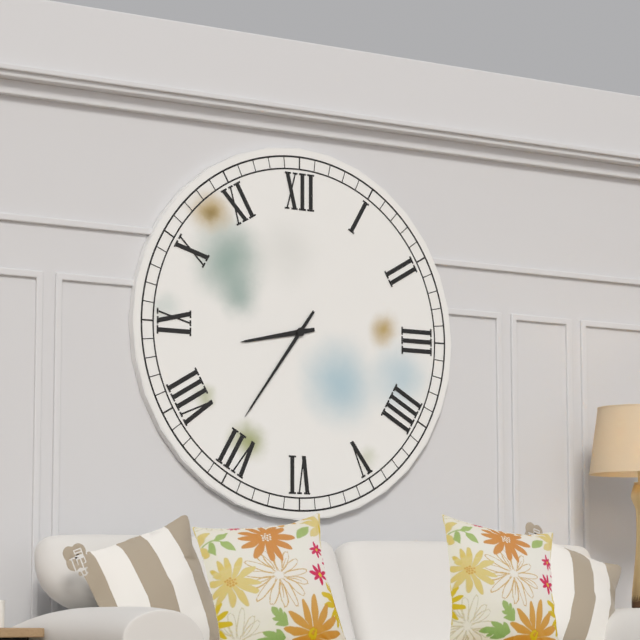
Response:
8.36
